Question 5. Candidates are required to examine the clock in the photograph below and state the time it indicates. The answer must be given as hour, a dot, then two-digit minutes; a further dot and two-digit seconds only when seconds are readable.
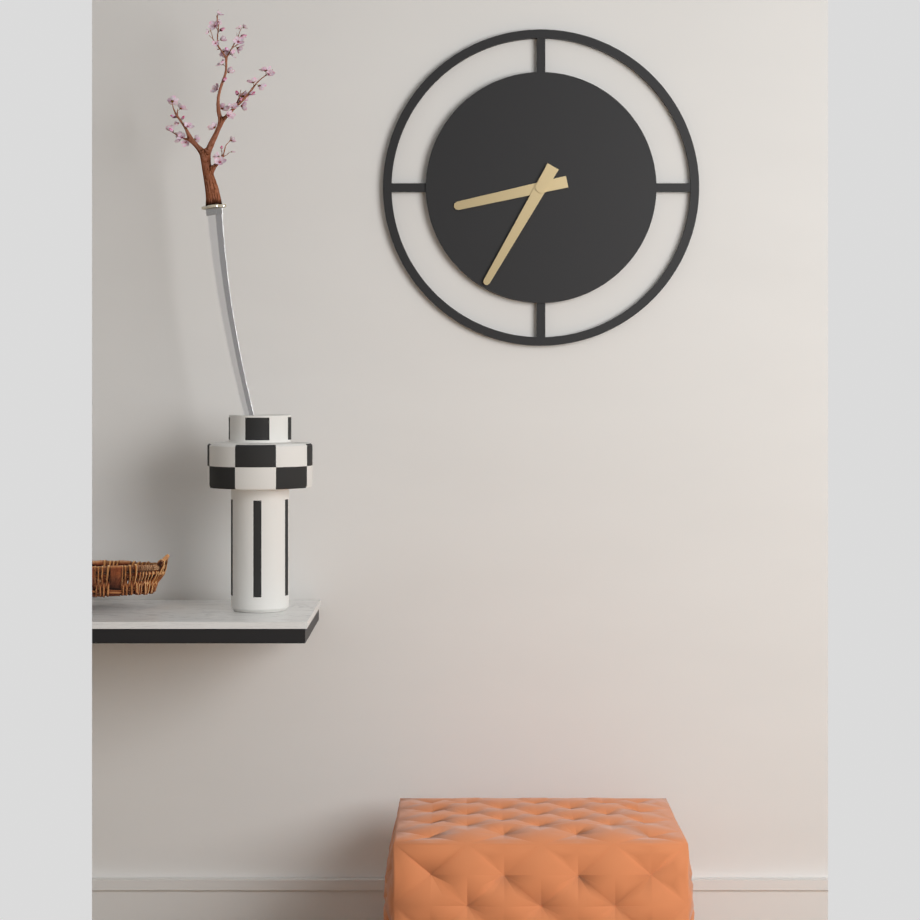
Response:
8.35
